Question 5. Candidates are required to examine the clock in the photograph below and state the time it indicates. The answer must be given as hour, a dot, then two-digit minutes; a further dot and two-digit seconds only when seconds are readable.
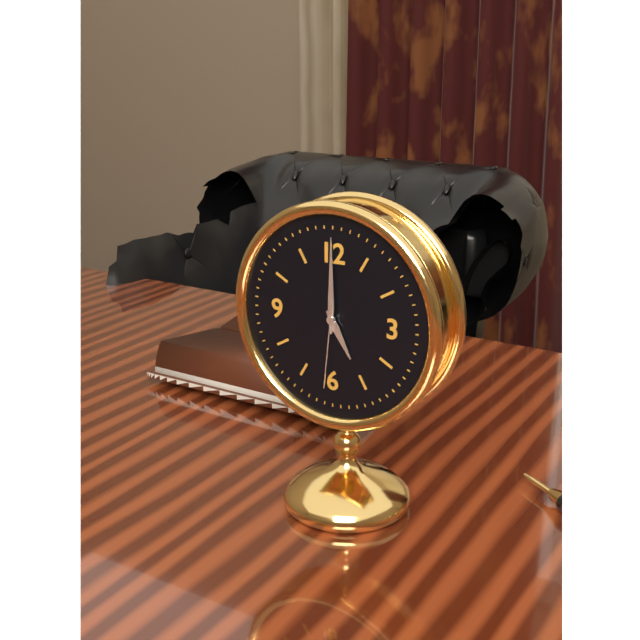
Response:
5.00.31
